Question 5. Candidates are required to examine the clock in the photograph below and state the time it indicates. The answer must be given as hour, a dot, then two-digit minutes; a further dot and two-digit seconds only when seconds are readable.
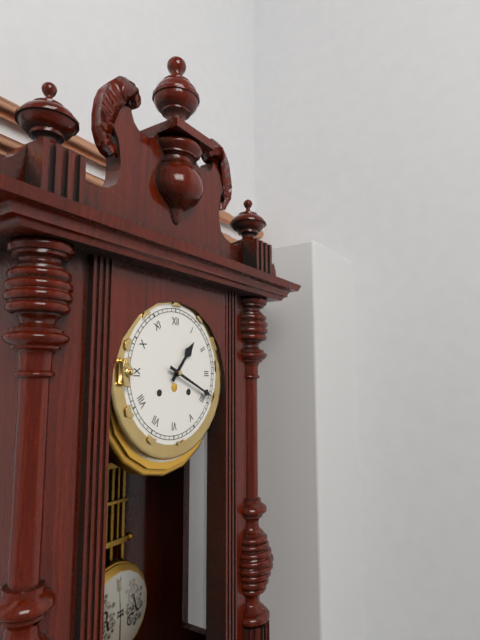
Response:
1.19
